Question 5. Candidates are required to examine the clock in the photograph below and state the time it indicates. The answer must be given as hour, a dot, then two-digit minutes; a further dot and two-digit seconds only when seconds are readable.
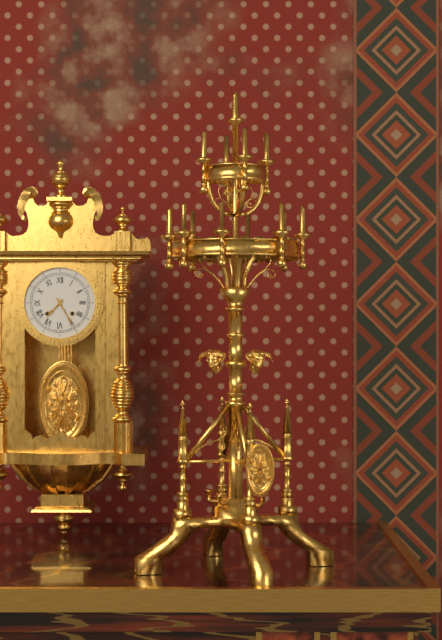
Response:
7.25
